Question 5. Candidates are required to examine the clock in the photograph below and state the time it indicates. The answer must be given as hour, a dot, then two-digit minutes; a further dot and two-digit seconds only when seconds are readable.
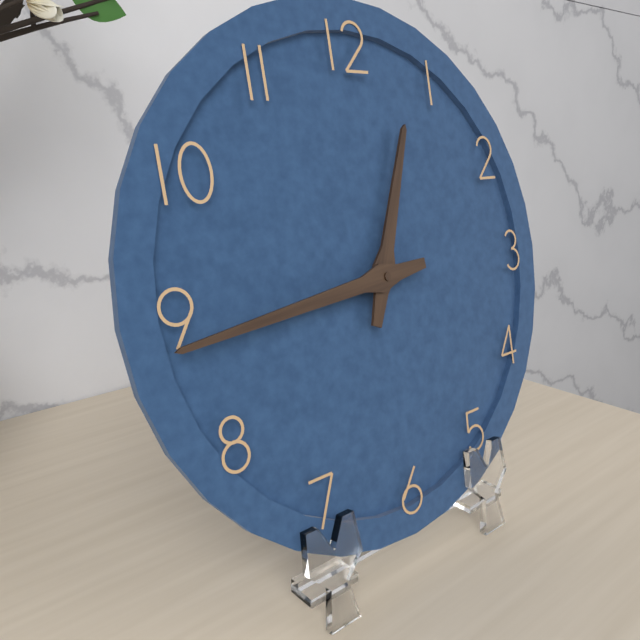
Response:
12.44
